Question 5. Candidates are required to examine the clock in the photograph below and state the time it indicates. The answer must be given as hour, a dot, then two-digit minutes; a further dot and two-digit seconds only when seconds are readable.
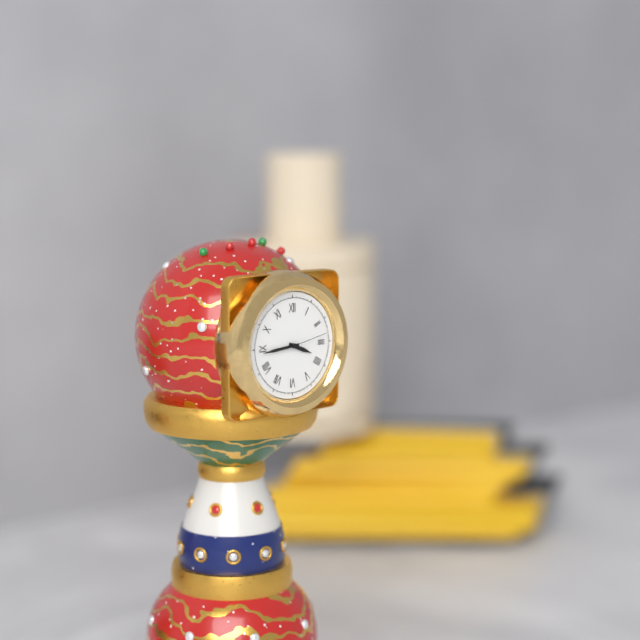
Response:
3.44
